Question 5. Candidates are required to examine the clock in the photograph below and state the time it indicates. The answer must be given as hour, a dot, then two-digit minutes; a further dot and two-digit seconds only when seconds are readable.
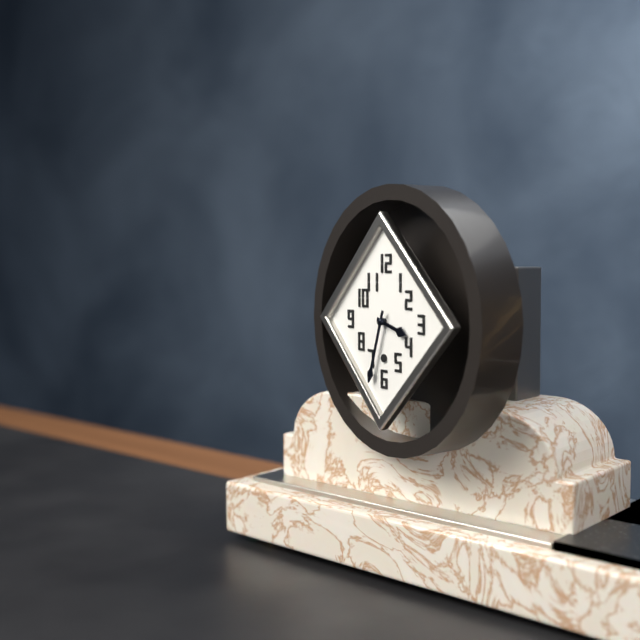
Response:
3.33
